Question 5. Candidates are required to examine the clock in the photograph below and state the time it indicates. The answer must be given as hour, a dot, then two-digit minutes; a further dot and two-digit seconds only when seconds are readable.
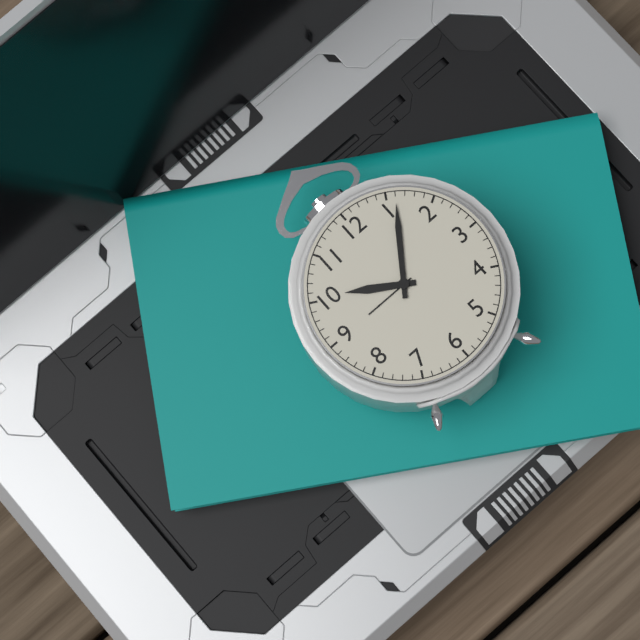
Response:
10.06
